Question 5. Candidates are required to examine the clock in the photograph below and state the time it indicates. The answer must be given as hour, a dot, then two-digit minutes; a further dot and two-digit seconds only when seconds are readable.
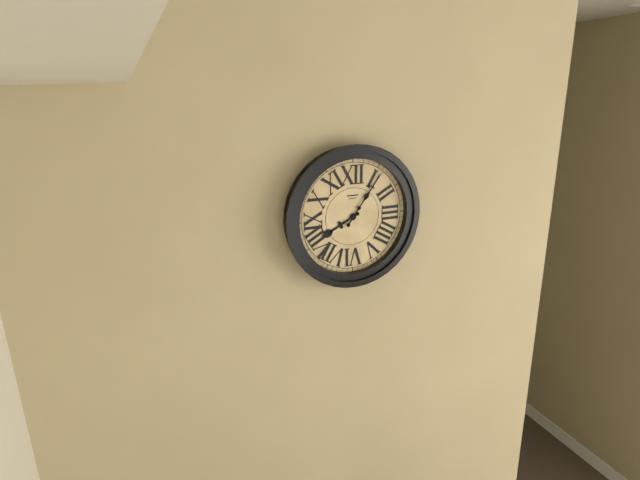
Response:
8.06
